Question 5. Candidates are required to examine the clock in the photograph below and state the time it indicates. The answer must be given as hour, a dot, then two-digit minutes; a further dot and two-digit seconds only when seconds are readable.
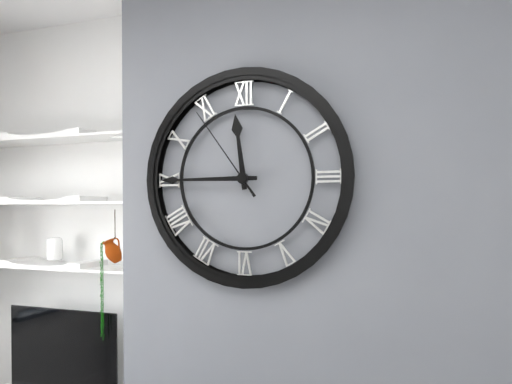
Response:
11.45.54
